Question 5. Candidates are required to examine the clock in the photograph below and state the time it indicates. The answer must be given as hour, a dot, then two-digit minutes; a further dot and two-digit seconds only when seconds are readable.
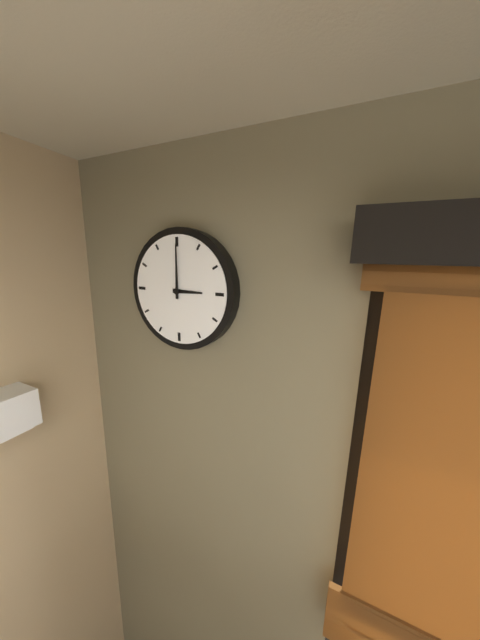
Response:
3.00
